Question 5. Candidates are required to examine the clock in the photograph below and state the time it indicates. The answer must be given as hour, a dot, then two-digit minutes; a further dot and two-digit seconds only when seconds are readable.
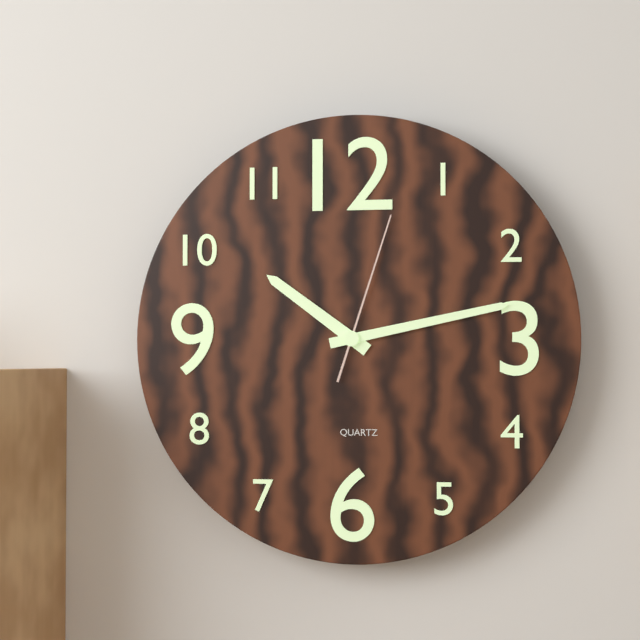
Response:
10.13.03
